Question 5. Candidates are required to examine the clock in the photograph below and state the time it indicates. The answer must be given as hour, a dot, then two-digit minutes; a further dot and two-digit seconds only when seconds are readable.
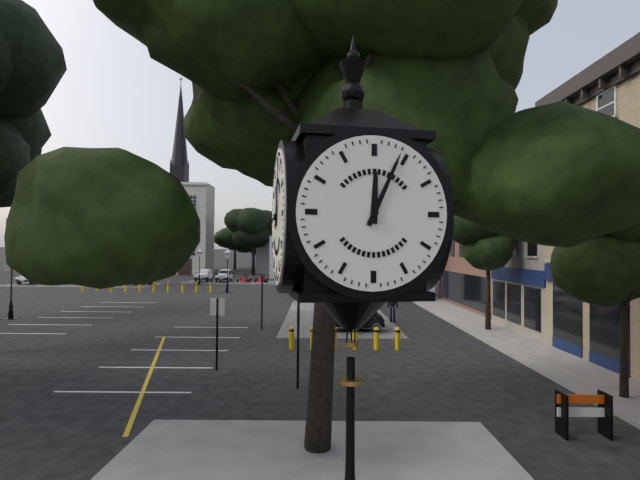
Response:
12.04
